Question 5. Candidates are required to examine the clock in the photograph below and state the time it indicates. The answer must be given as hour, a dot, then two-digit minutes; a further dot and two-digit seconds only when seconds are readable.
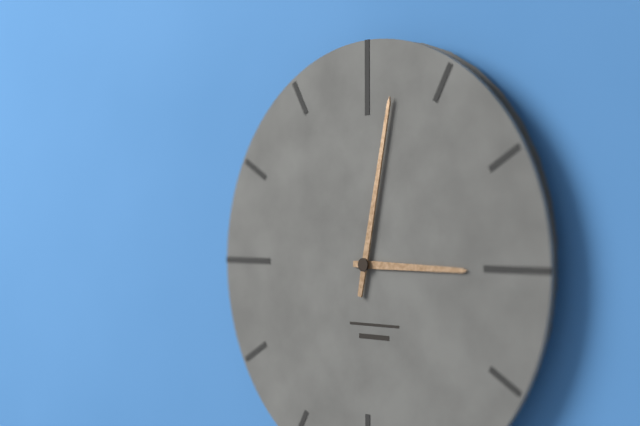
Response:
3.02
